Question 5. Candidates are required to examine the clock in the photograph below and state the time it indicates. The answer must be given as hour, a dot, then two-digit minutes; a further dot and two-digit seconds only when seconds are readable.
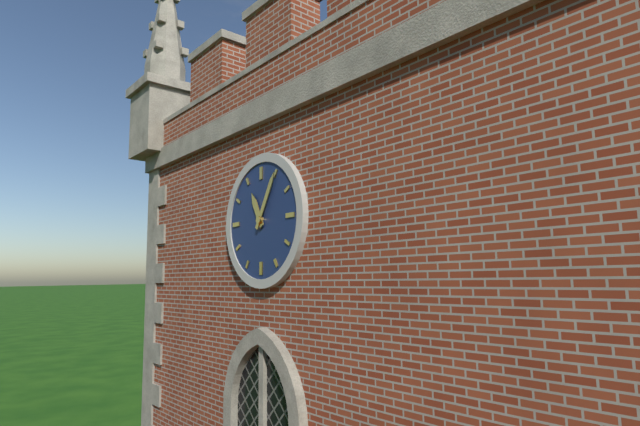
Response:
11.05
